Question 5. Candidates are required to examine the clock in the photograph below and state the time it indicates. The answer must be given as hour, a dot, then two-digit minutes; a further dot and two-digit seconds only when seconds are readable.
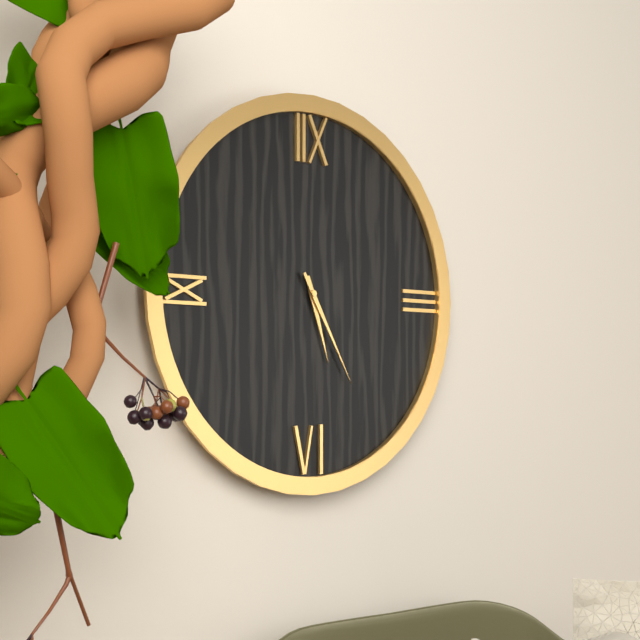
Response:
5.25
